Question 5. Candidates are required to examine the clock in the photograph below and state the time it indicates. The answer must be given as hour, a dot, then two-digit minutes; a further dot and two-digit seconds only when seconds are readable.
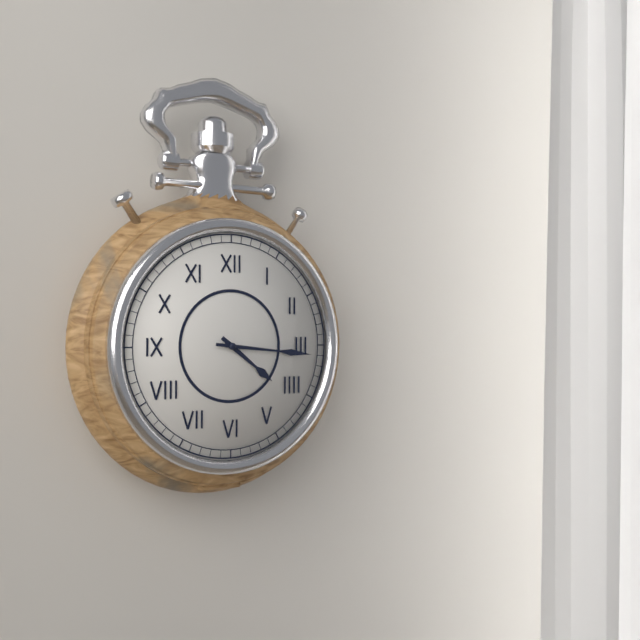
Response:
4.16
